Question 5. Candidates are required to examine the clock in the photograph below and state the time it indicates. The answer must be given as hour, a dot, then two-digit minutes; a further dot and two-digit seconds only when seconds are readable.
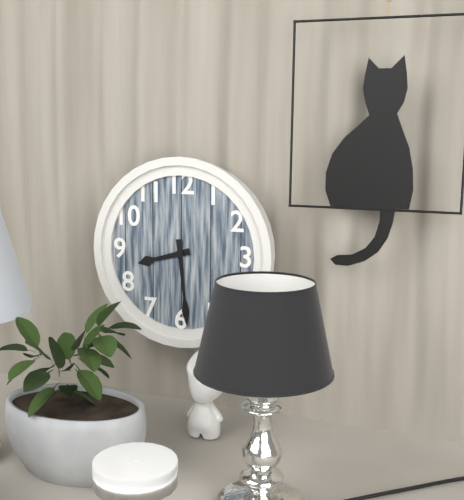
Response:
8.29
